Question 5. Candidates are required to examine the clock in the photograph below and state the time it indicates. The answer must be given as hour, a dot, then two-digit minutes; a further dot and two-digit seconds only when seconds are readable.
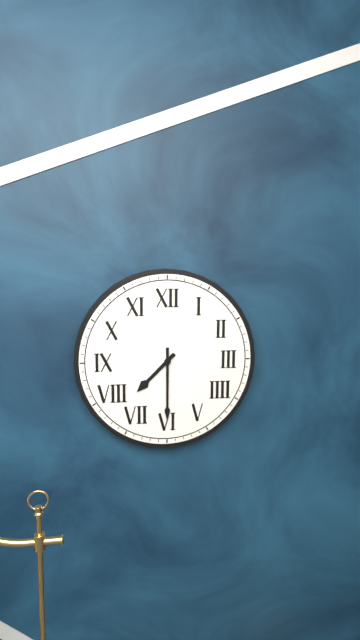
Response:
7.30
